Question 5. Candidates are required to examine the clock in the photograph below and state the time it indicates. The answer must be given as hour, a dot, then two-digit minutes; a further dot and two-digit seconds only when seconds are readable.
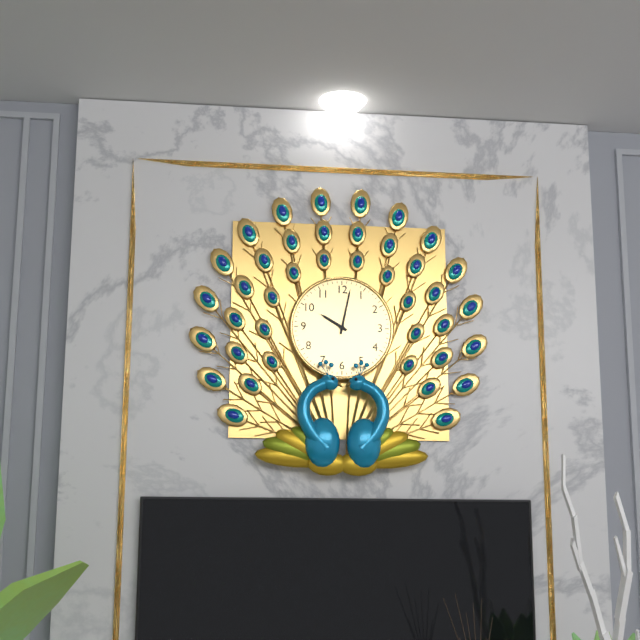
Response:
10.02
